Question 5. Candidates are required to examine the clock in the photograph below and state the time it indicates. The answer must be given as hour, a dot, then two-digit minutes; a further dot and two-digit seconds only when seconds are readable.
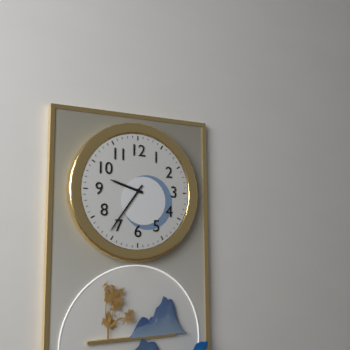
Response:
9.36
